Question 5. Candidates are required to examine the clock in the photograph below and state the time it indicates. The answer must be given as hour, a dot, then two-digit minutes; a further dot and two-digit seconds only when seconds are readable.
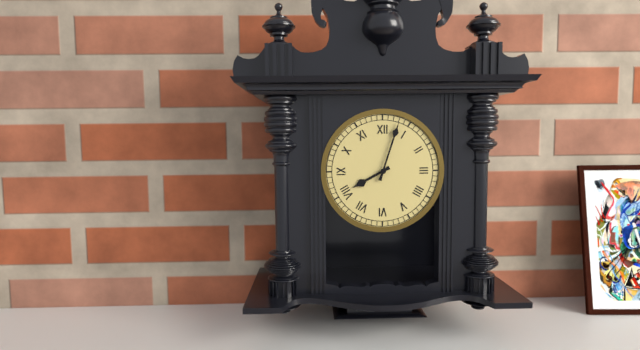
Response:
8.03
